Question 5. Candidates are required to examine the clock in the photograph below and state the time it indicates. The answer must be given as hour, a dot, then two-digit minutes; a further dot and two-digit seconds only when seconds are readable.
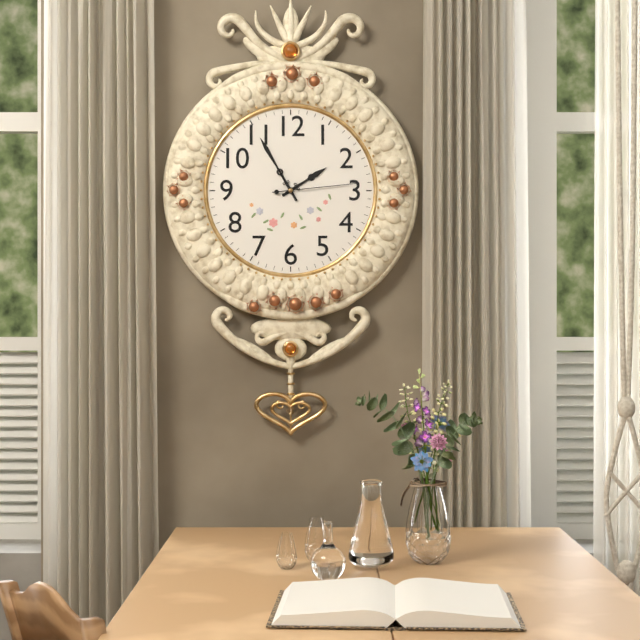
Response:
1.55.14
